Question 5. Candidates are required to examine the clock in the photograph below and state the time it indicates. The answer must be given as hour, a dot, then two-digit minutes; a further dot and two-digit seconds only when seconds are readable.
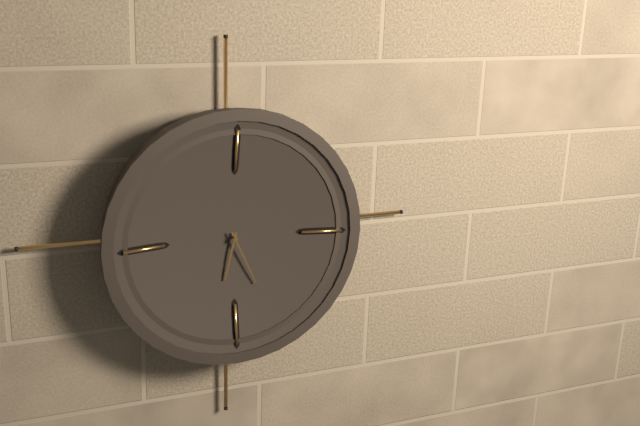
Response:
6.26
